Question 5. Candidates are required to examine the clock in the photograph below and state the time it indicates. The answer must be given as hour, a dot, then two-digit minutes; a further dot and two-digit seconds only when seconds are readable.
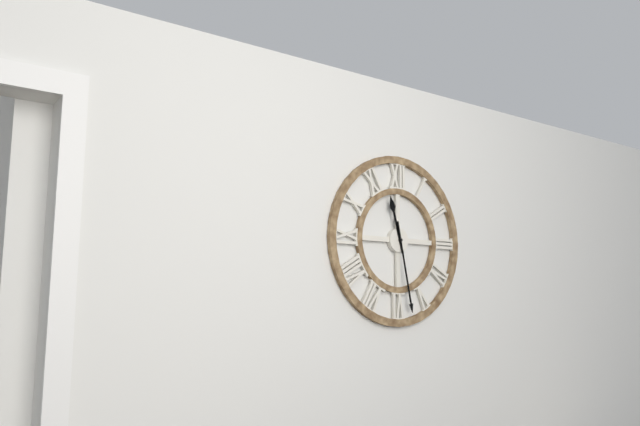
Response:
11.28
